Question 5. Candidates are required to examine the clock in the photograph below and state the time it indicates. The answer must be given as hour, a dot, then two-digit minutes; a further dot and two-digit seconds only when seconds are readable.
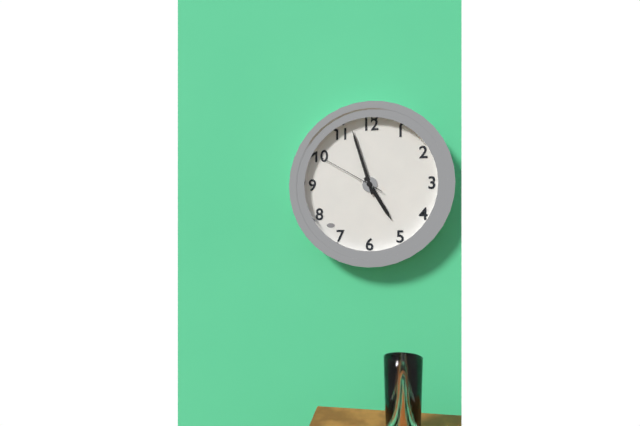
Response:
4.57.50
